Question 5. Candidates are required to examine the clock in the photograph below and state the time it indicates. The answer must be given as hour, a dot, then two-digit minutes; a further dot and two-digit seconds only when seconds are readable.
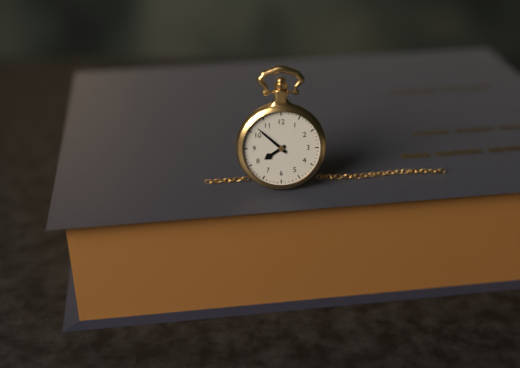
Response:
7.52
